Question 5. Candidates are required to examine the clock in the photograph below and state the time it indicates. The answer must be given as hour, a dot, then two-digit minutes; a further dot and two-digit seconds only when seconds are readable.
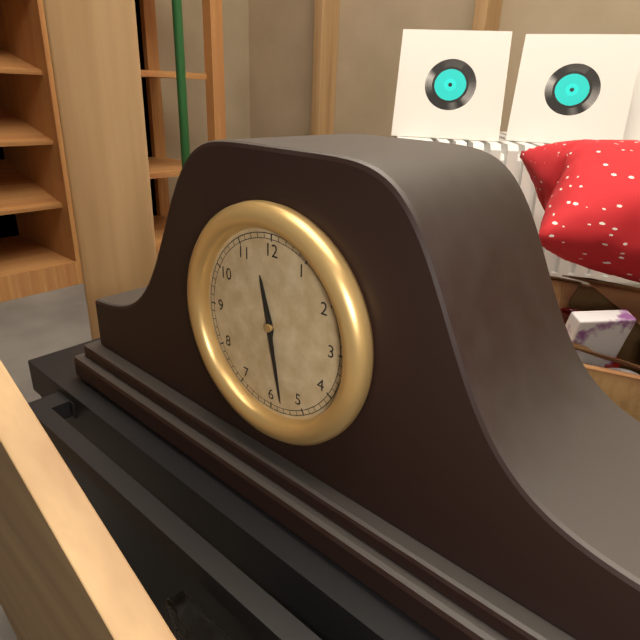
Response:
11.28
